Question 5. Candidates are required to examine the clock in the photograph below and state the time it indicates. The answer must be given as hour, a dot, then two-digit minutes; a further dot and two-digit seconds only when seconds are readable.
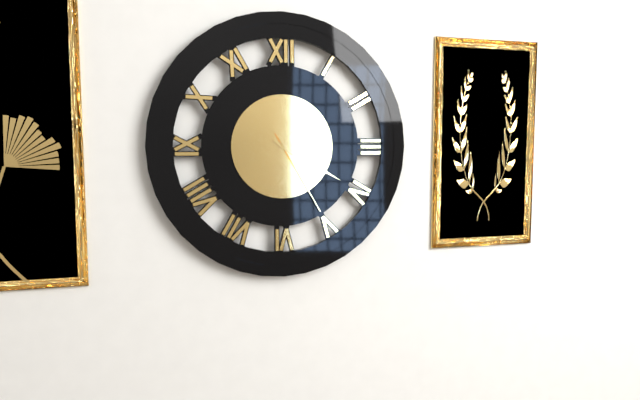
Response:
1.20.25
